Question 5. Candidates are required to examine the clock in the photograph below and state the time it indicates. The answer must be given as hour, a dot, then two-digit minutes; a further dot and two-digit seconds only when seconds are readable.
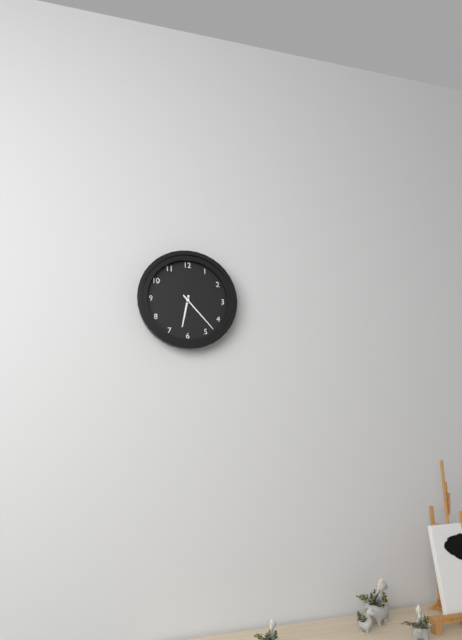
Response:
6.23
